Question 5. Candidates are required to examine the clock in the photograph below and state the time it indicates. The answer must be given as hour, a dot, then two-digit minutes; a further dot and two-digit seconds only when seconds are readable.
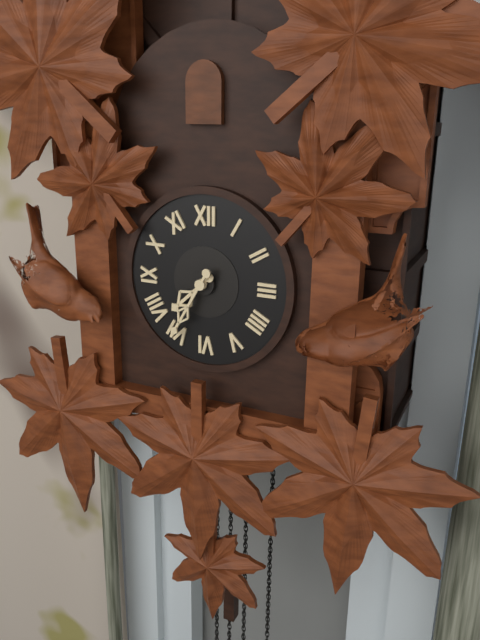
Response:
7.35
